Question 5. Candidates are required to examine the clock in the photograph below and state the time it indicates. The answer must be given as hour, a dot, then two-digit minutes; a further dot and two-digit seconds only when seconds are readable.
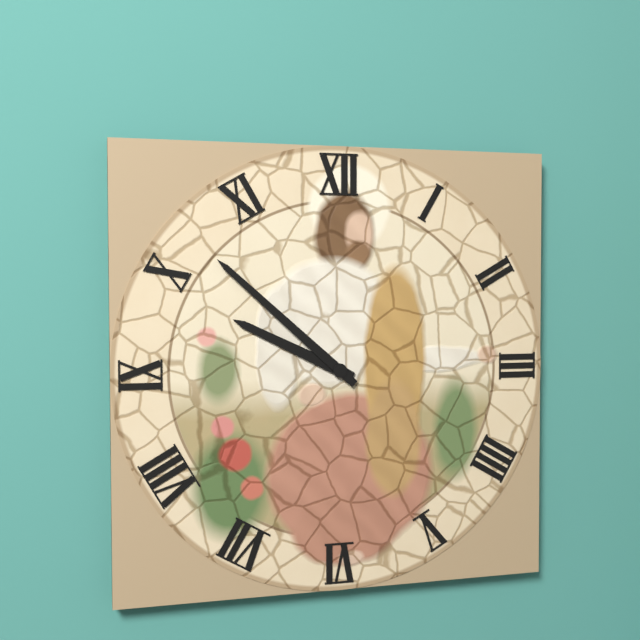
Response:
9.52
